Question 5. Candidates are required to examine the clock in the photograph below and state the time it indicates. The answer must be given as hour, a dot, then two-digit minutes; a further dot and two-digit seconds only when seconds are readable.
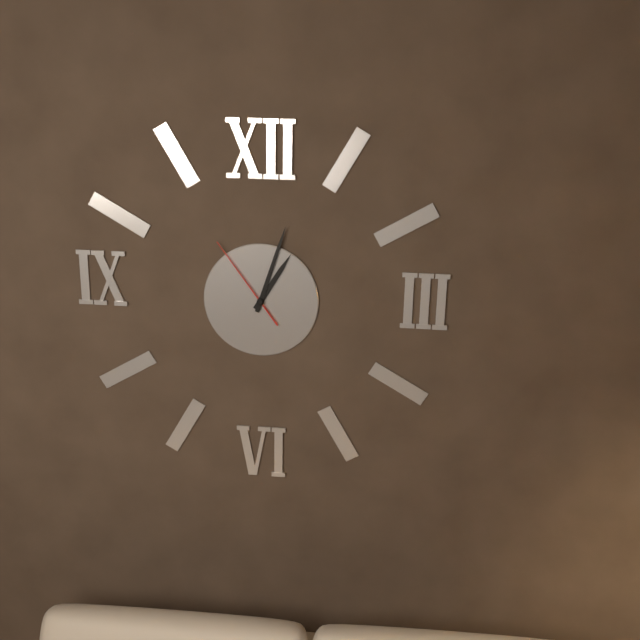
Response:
1.03.54
